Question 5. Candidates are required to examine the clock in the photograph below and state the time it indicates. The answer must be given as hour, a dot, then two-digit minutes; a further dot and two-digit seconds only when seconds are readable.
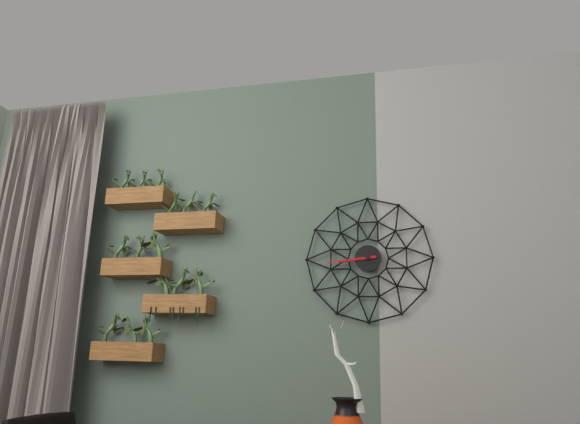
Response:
8.44
